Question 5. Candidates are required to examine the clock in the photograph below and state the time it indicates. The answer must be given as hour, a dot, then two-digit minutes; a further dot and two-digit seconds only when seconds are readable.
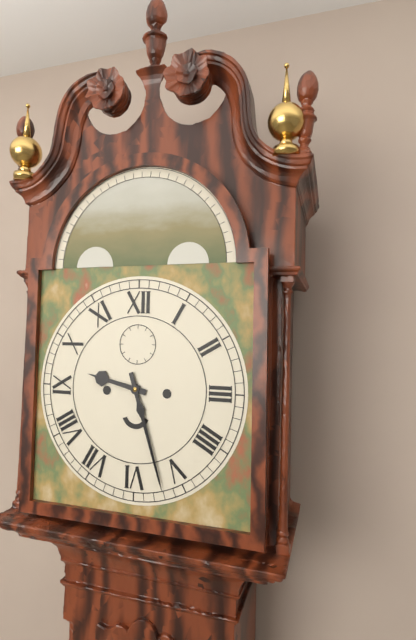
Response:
9.27
